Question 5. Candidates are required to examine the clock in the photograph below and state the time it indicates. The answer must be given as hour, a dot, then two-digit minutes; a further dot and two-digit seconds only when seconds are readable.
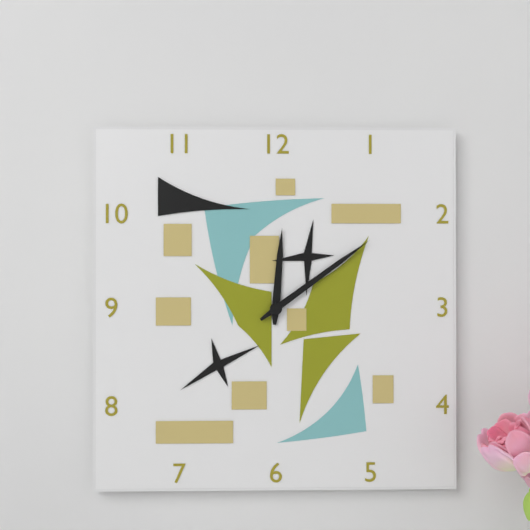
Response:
12.09
